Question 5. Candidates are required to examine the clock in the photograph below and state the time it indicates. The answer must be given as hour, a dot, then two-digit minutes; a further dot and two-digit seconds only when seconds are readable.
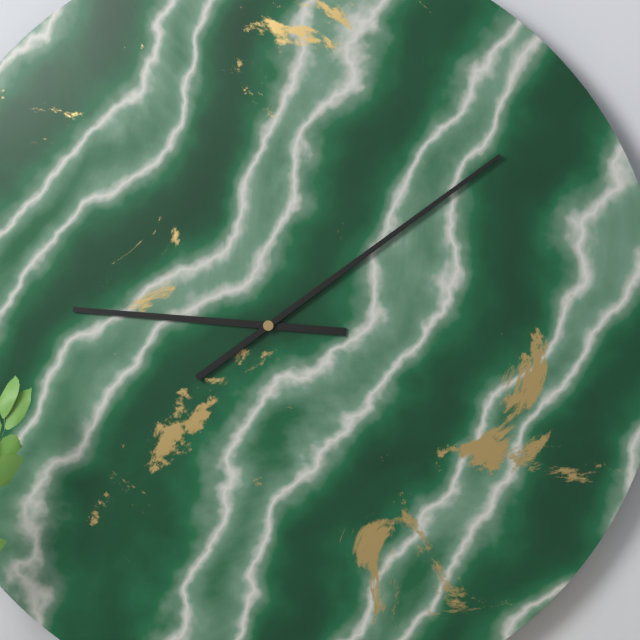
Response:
9.09
